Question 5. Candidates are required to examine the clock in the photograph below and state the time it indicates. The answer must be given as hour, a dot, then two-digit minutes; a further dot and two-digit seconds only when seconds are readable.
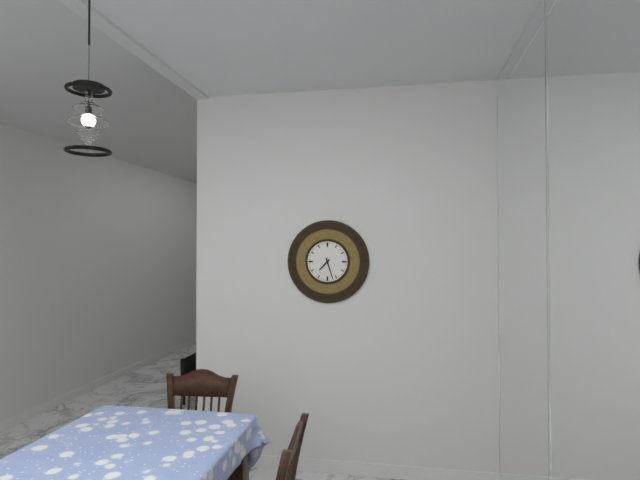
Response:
7.27
